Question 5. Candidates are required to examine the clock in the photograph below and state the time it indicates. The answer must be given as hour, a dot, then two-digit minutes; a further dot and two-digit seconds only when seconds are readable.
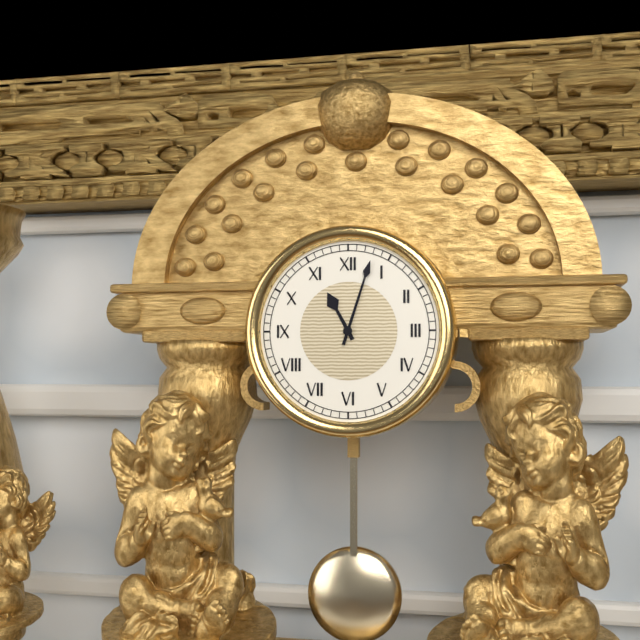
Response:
11.03
